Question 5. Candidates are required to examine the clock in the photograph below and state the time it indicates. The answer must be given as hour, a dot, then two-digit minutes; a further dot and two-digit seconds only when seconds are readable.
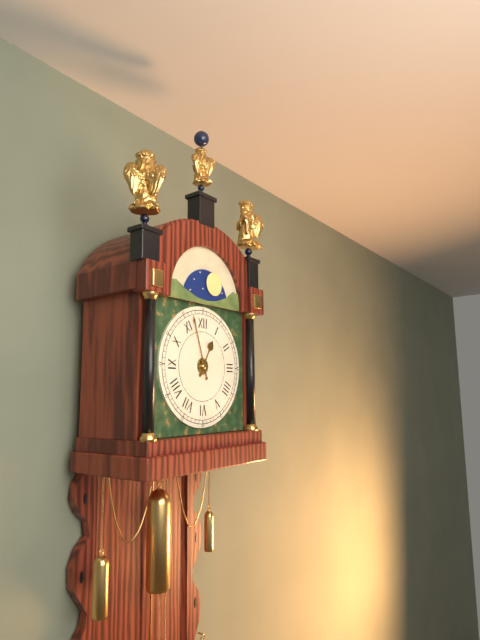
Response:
12.57
